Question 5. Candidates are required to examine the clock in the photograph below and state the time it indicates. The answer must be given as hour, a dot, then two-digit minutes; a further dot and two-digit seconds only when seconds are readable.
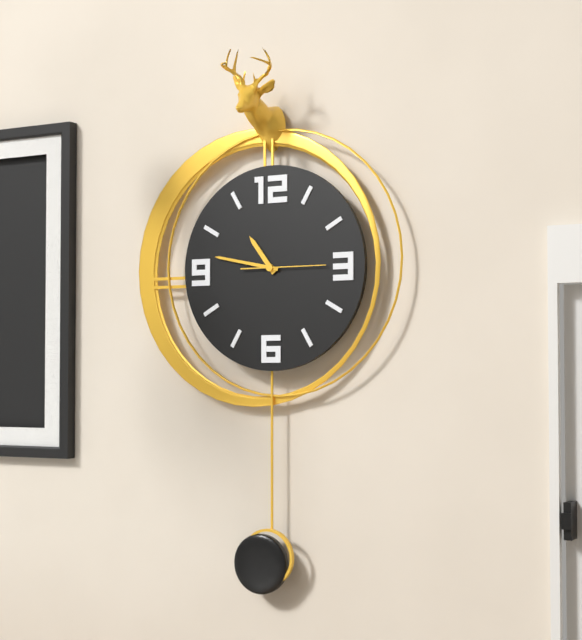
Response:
10.47.15
